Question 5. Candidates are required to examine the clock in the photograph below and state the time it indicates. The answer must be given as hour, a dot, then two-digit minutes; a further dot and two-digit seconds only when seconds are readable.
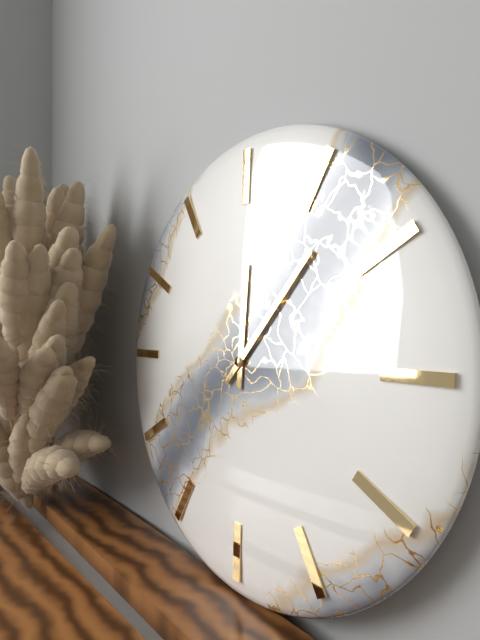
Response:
12.07
